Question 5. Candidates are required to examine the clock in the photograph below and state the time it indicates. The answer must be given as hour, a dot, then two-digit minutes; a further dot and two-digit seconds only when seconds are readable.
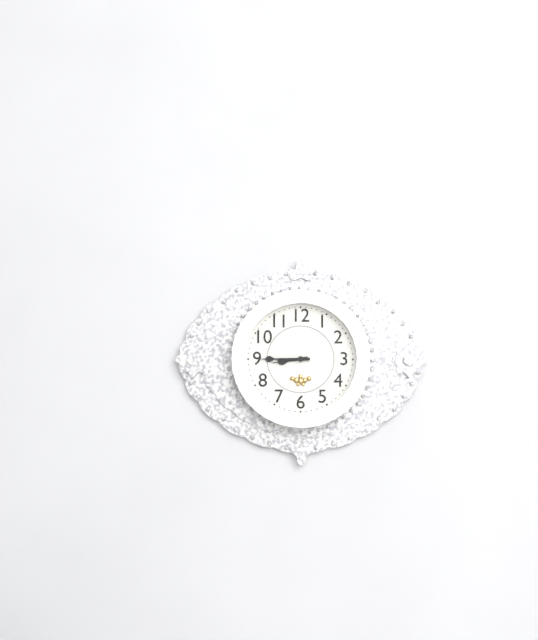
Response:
8.45
